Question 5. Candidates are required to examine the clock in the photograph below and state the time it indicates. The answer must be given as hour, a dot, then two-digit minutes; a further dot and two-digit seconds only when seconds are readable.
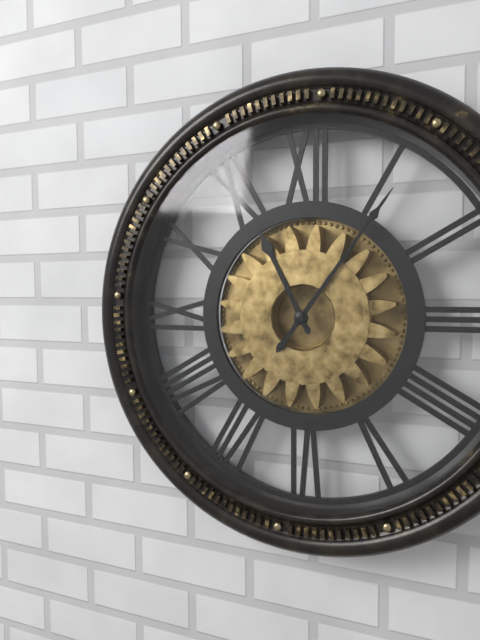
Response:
11.06
